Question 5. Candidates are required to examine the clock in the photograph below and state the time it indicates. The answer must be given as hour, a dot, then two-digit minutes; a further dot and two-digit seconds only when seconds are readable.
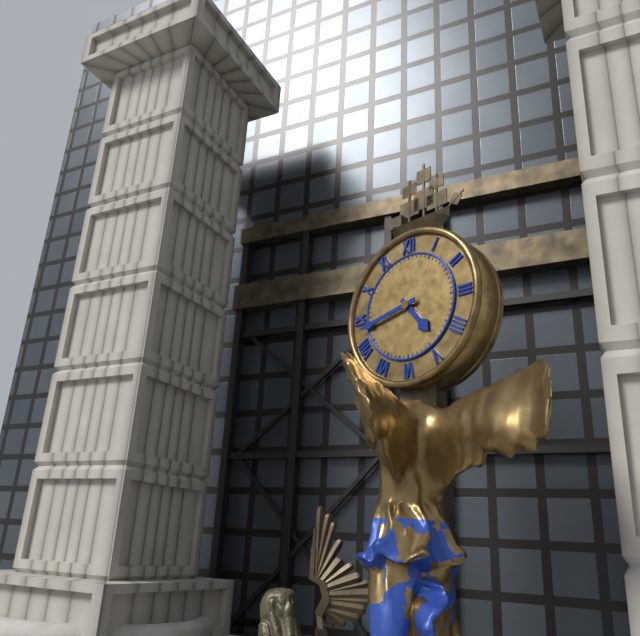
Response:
4.43
